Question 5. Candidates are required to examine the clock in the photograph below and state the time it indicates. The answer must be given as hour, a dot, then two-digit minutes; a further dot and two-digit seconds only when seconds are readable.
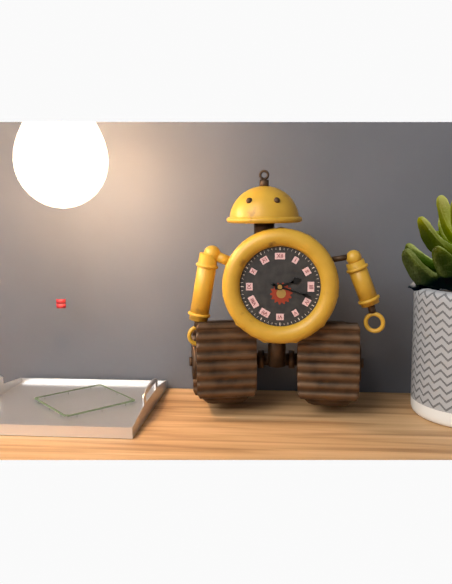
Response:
2.18
